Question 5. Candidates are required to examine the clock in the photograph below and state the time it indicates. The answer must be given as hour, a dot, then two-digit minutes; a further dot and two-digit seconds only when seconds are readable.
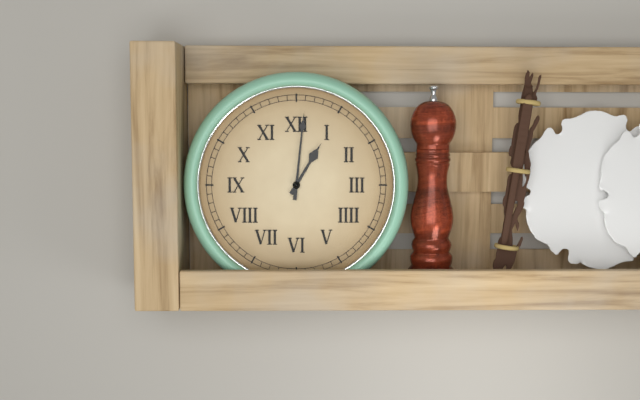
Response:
1.01
